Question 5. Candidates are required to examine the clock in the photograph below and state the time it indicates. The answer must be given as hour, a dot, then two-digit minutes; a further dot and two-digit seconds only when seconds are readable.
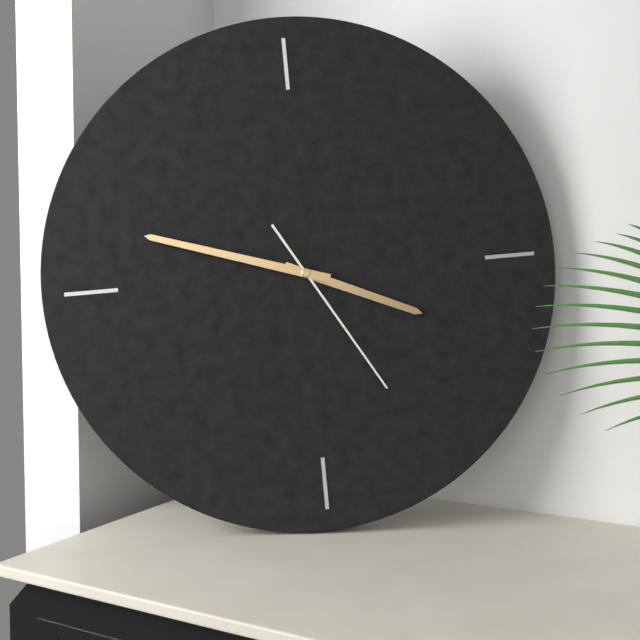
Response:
3.48.25
